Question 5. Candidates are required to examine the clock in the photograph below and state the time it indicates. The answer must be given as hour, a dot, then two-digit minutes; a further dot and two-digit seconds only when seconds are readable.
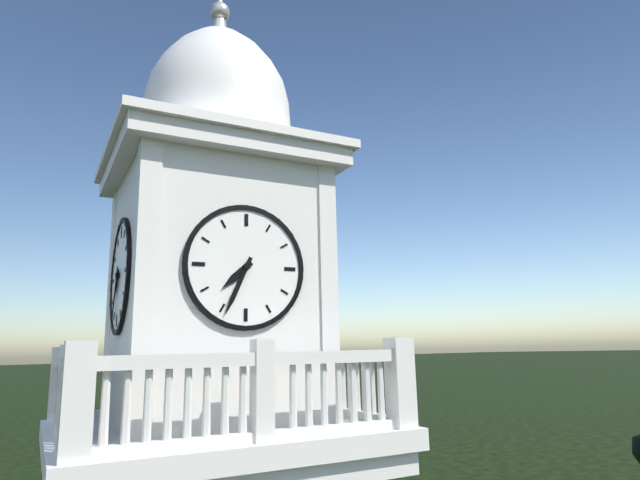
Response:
7.34
